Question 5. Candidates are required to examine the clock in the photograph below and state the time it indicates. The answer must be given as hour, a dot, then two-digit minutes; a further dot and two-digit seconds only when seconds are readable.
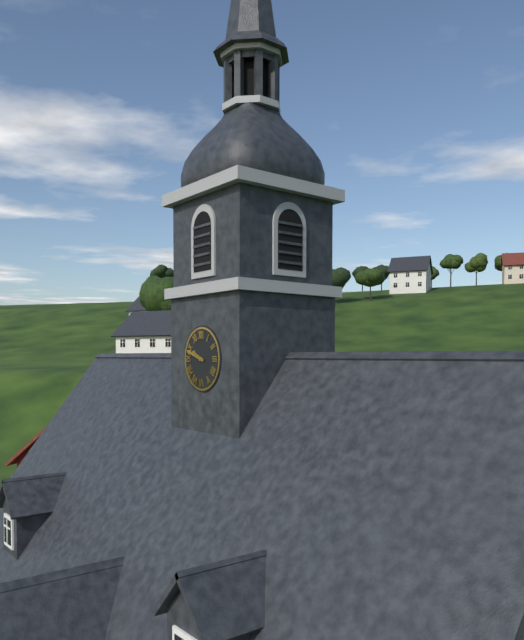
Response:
9.48
